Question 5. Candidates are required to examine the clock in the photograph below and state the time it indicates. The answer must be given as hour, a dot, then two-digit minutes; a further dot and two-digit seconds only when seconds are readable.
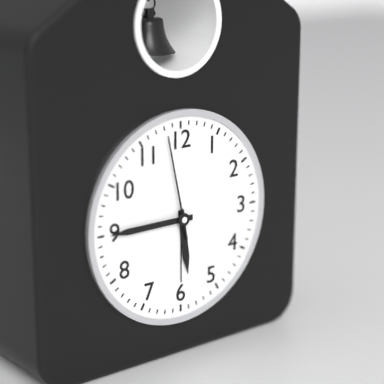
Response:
5.45.58
